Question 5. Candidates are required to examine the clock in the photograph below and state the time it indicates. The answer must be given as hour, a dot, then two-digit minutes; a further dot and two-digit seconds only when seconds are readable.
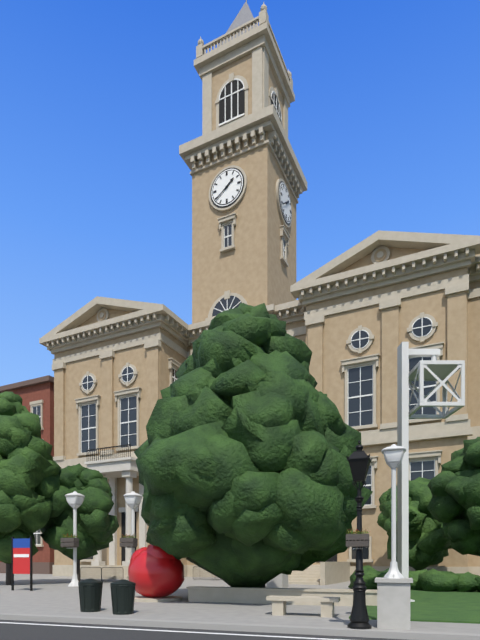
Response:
1.39
